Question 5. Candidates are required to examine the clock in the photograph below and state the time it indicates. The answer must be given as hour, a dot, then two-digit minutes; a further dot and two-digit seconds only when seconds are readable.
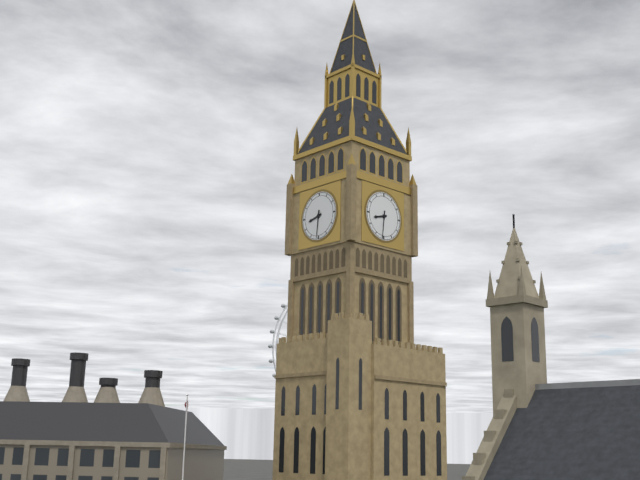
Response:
8.31
